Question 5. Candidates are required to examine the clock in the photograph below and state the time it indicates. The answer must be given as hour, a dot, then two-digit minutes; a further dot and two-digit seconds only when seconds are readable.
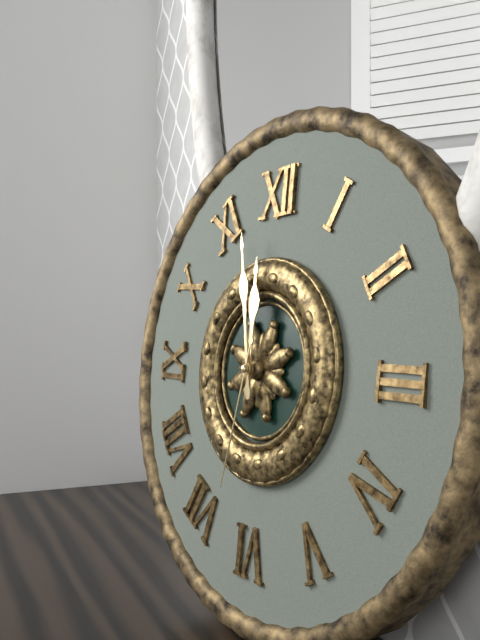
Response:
11.58.32
